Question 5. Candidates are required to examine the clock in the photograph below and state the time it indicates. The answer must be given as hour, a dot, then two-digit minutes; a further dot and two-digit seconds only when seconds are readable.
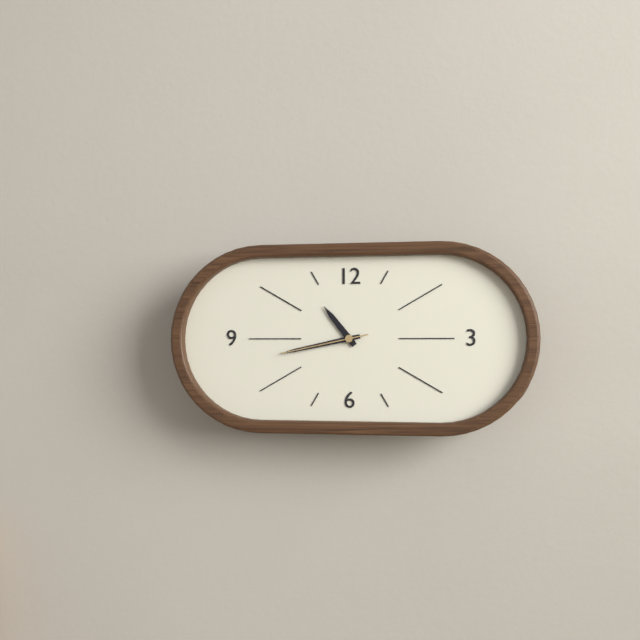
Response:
10.43.43
